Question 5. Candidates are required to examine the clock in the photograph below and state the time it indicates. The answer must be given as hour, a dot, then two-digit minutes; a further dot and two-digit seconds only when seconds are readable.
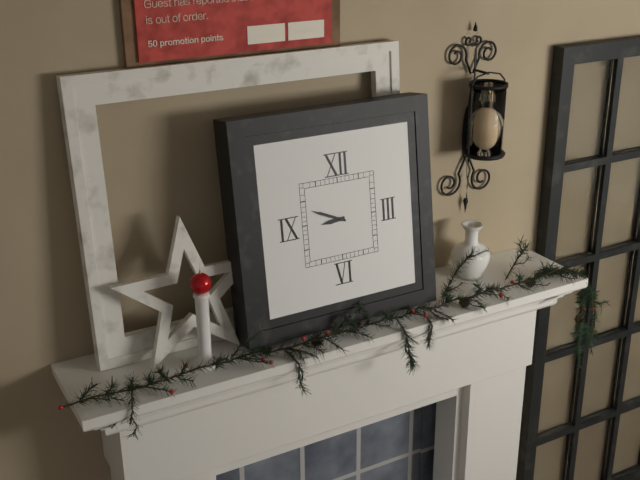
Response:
8.49
